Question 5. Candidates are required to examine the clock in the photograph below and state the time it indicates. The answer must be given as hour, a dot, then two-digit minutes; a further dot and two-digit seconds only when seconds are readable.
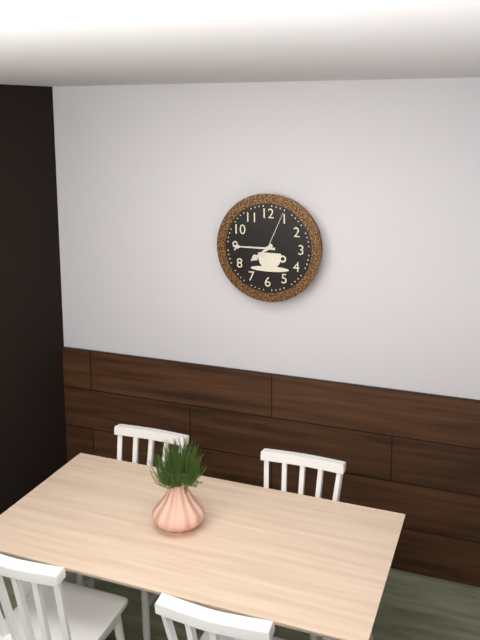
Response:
7.45
